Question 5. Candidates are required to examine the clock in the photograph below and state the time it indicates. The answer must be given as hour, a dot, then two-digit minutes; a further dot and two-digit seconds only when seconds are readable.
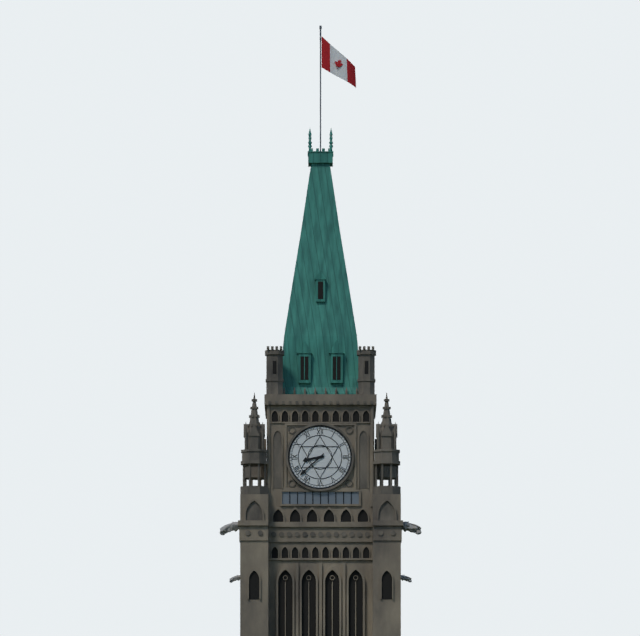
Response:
8.38
